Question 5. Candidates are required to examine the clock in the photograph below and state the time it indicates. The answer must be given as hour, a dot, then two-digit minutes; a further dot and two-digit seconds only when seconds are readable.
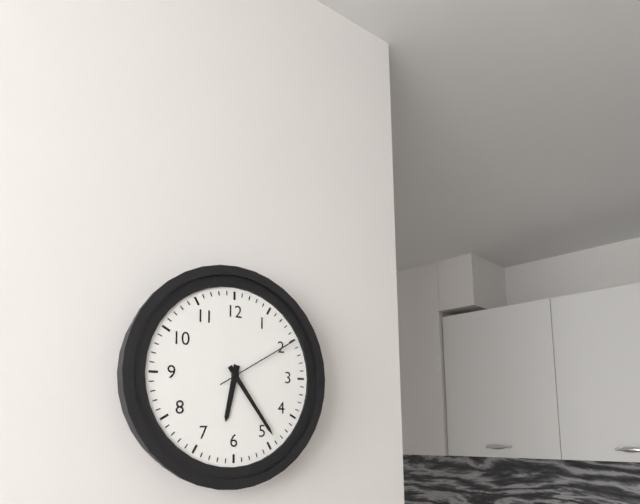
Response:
6.24.10
